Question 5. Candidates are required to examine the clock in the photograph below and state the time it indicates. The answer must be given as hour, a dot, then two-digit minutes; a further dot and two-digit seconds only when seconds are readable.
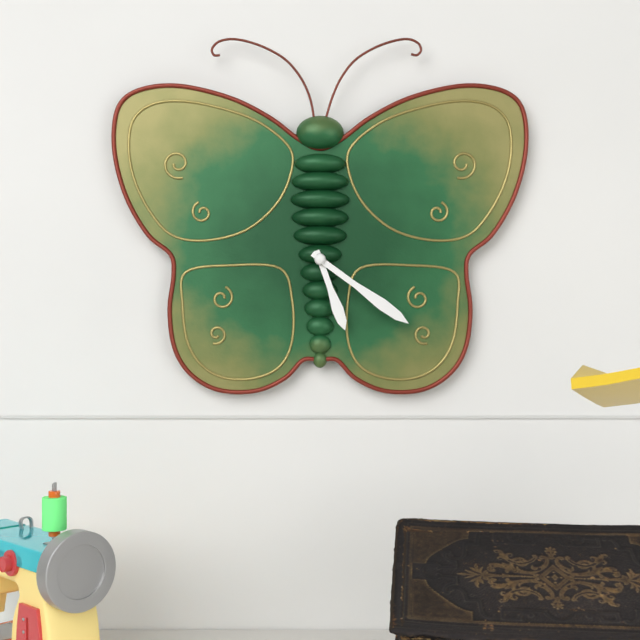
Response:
5.21
